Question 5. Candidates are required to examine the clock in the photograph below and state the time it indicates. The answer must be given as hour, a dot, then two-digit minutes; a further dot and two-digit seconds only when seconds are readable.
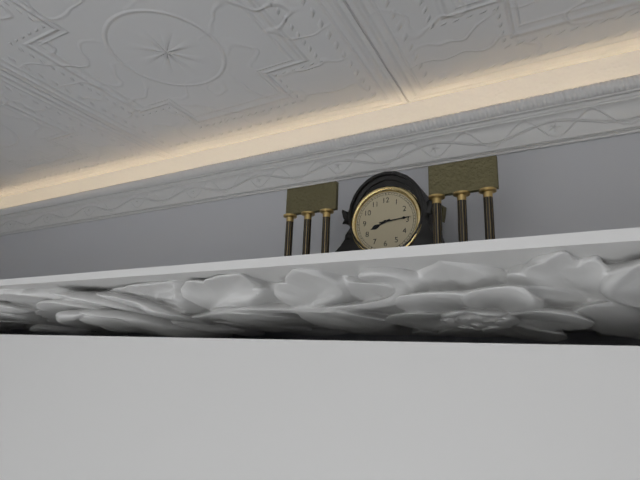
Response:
8.14
